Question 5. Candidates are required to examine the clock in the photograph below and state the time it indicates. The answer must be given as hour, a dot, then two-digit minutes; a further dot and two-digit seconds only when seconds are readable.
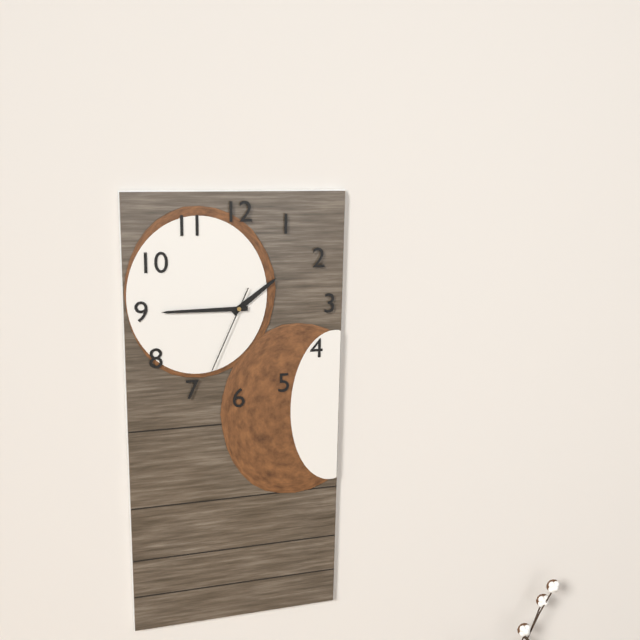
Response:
1.45.34
